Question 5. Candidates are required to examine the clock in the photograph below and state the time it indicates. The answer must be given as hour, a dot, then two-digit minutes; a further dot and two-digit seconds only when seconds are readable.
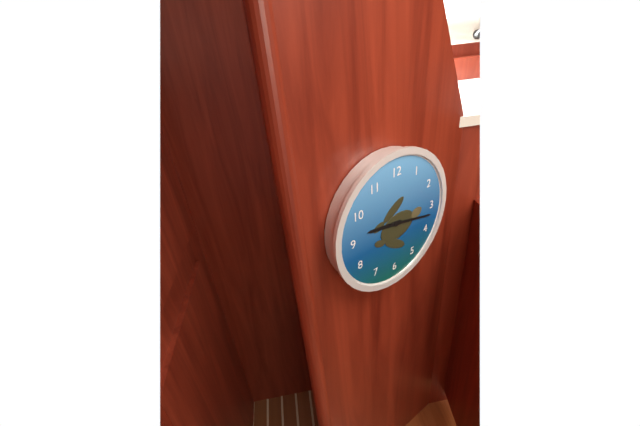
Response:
9.17
